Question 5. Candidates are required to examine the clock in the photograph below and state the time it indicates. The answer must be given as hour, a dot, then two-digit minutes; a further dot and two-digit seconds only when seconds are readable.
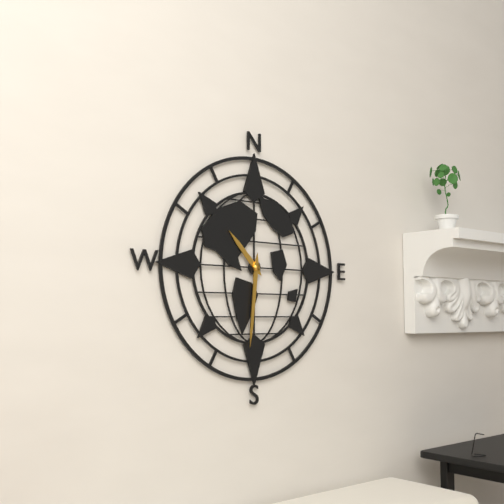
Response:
10.31
